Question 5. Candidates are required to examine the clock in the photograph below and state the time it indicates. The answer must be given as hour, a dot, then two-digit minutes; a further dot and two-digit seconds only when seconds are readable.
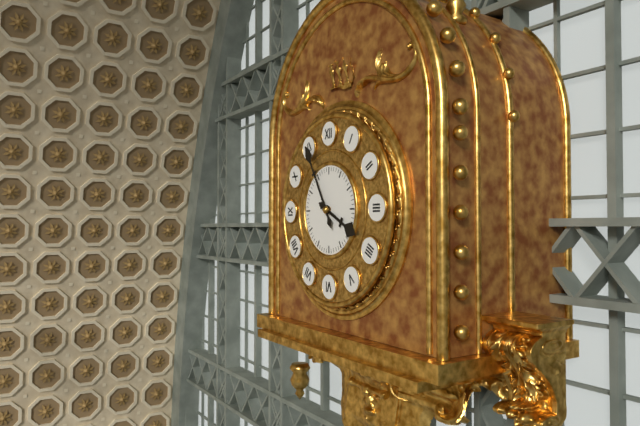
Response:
3.55
